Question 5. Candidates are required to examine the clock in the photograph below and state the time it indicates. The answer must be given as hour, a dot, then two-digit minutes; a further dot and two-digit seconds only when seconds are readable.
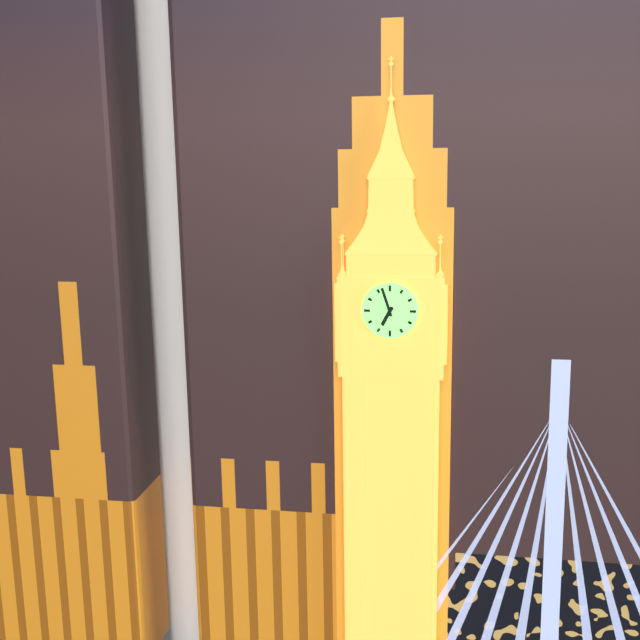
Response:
6.57
